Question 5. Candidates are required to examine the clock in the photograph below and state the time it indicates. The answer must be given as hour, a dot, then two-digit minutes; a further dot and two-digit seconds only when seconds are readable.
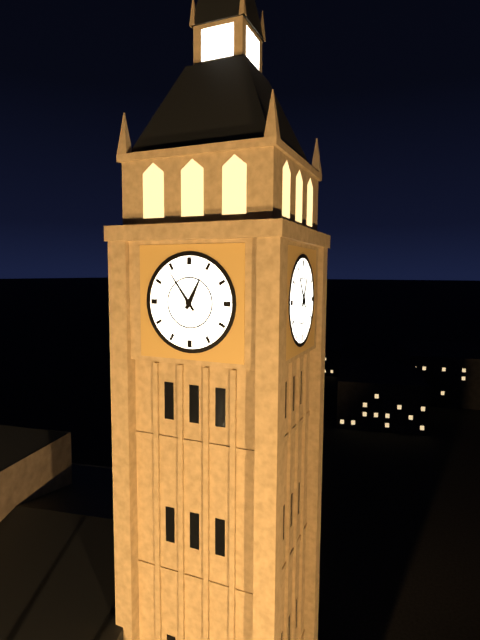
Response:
12.54
